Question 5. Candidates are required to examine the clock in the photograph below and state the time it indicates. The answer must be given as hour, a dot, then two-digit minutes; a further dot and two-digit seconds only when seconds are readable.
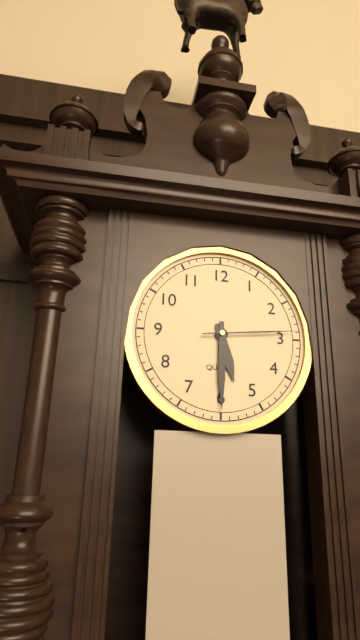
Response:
5.30.14
